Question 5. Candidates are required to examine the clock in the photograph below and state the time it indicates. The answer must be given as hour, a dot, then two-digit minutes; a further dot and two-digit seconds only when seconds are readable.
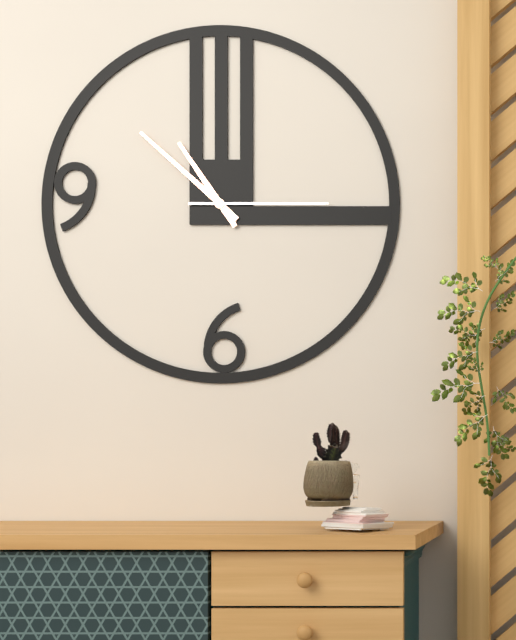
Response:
10.52.15
